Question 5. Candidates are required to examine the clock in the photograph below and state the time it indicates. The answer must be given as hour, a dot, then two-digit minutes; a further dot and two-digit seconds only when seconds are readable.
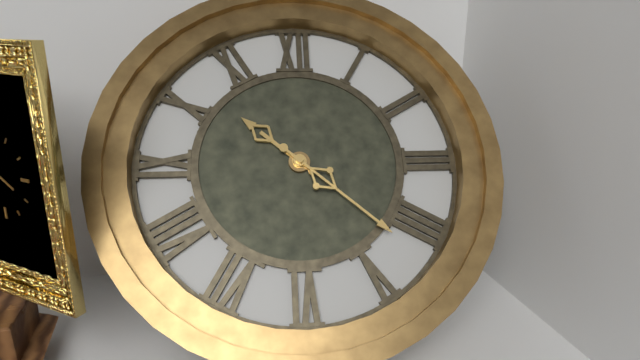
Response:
10.22
